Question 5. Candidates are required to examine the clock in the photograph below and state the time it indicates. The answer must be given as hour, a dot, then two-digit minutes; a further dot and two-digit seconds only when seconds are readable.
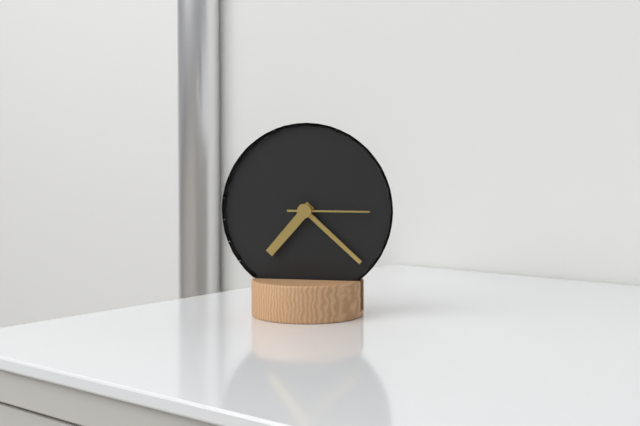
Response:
7.22.15
